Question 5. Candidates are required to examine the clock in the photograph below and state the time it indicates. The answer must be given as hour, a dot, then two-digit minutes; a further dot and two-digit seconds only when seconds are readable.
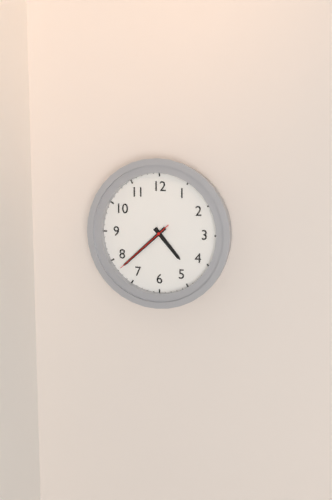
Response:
4.38.38
